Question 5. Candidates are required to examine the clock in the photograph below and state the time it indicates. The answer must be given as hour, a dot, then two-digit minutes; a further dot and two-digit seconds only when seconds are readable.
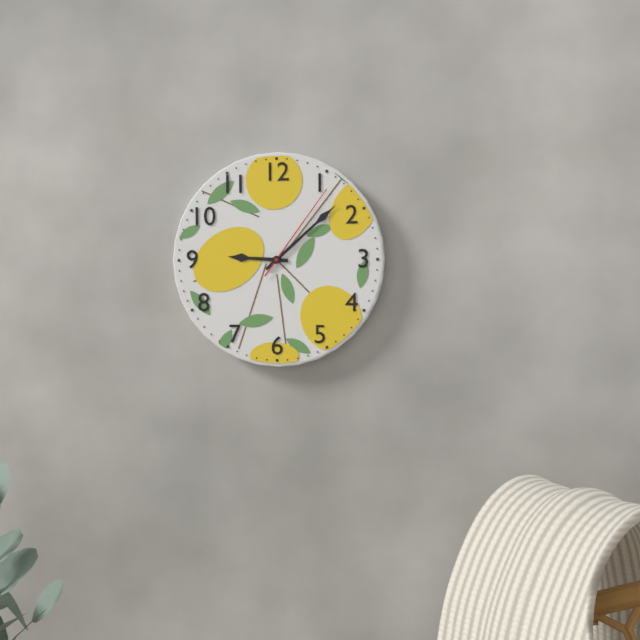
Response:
9.08.06
